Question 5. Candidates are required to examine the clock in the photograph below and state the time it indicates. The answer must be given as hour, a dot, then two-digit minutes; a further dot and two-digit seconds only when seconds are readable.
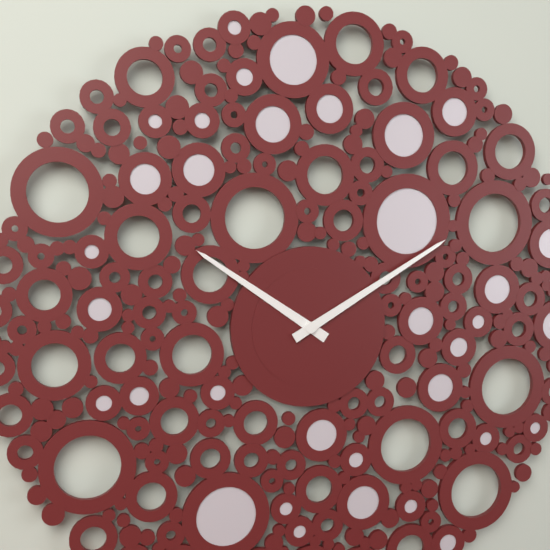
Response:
10.10
